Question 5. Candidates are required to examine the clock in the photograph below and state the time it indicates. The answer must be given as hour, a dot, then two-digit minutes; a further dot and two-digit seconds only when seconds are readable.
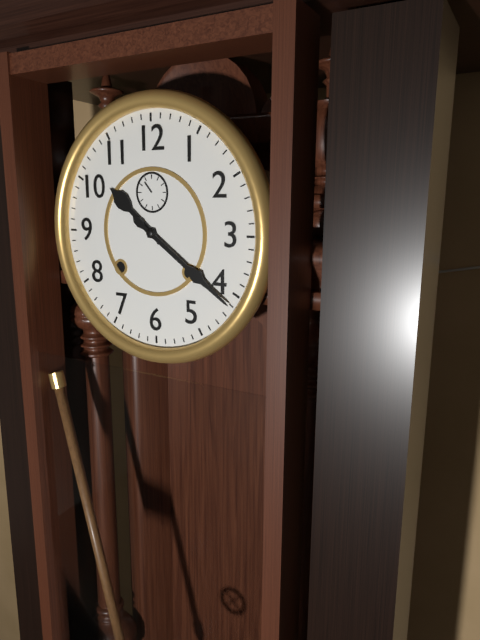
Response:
10.21
